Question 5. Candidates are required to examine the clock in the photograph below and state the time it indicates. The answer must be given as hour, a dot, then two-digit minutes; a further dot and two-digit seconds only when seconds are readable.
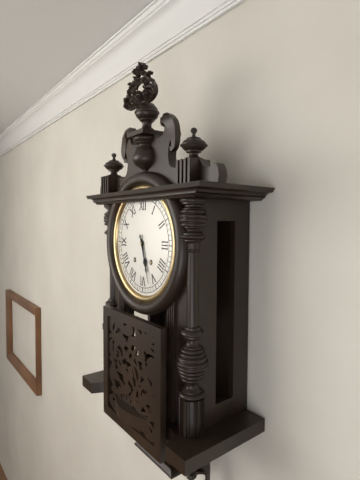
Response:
5.27
